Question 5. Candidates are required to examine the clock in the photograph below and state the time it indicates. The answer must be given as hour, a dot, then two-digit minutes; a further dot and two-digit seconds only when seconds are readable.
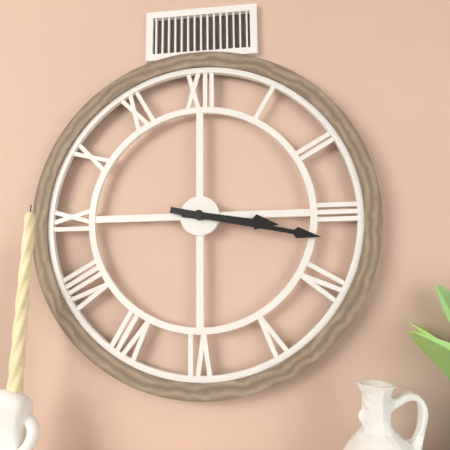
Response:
3.17
